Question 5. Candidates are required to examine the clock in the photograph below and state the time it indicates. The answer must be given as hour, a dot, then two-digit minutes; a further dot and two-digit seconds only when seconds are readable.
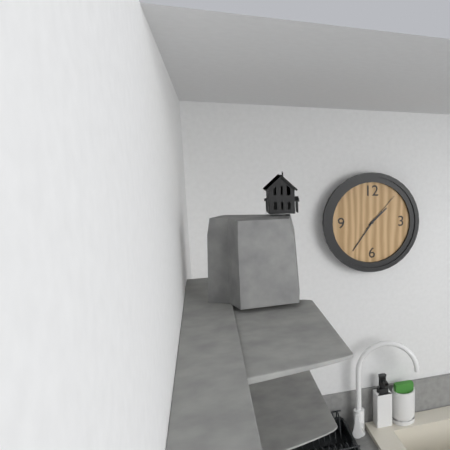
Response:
1.36
